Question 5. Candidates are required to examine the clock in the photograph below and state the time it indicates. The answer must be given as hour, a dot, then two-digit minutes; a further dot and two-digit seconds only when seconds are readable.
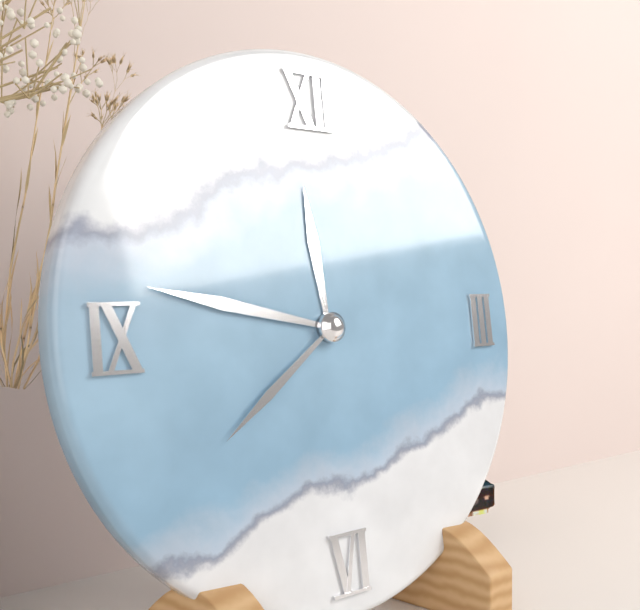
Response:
11.47.39
